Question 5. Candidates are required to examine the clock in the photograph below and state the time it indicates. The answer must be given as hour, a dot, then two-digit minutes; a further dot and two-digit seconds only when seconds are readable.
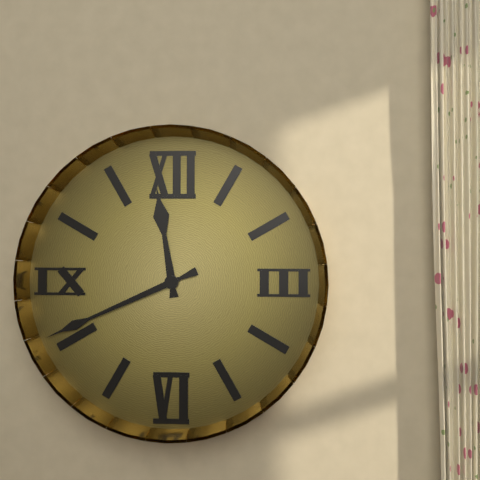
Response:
11.41
